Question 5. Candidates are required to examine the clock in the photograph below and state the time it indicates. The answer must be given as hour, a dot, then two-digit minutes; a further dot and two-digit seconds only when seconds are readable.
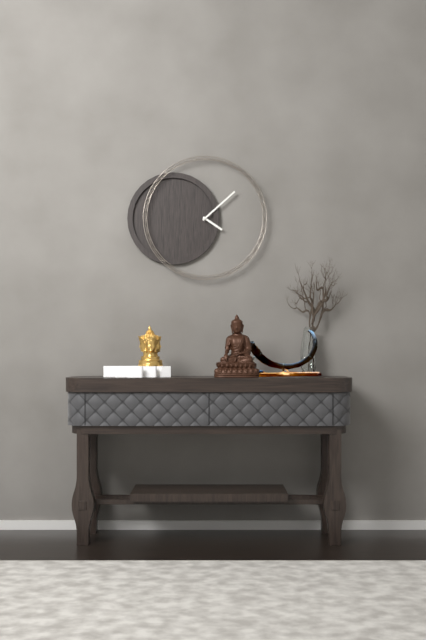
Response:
4.08
